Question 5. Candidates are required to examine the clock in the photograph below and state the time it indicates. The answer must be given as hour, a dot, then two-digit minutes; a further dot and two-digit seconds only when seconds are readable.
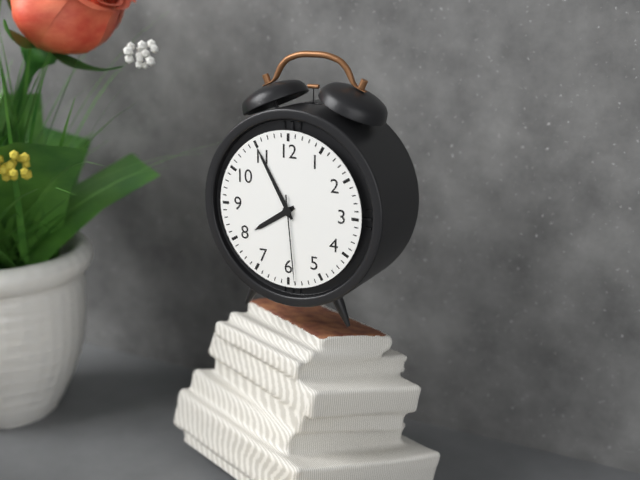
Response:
7.55.29
